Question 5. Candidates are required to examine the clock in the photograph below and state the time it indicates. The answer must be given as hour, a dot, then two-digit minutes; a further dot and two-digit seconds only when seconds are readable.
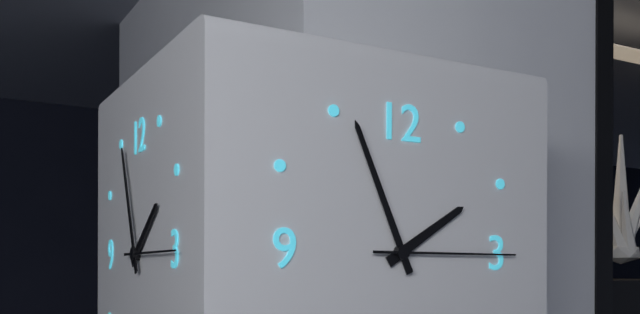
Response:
1.56.15
